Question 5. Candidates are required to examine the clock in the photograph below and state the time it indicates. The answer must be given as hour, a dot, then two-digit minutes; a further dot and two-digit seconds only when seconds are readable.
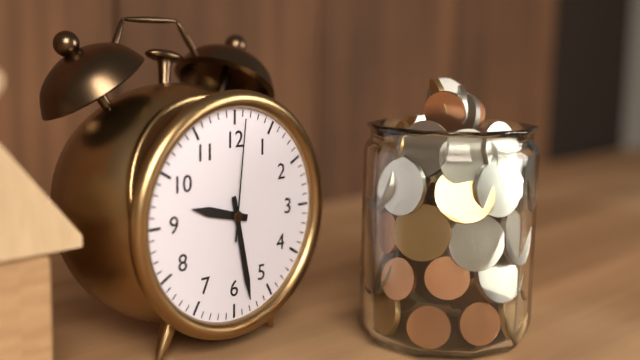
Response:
9.28.01
